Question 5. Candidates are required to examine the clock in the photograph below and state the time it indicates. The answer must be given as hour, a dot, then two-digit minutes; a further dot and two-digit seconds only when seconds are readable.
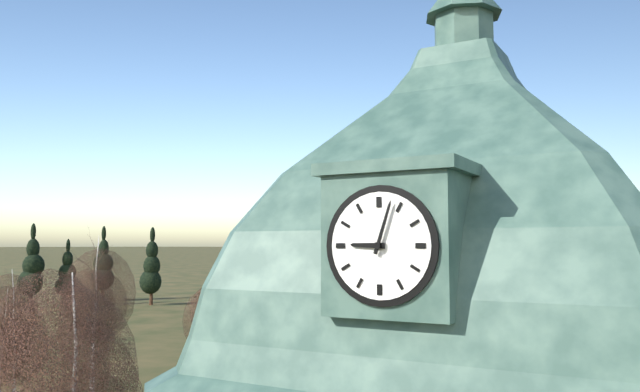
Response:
9.03
